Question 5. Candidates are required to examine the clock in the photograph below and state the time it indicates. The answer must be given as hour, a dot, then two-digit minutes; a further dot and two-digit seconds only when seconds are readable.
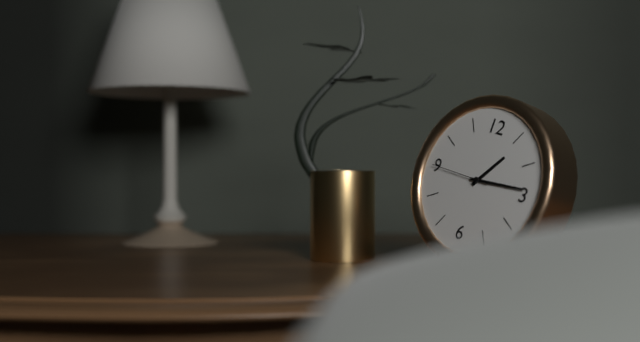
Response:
1.14.45
